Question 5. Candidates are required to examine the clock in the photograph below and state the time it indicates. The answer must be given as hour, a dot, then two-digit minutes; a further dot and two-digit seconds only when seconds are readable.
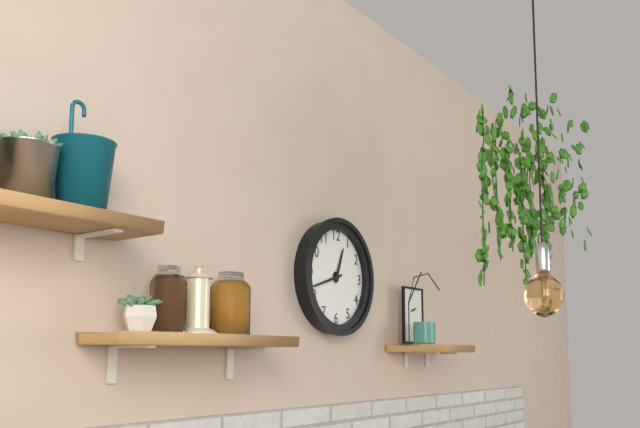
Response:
12.42
